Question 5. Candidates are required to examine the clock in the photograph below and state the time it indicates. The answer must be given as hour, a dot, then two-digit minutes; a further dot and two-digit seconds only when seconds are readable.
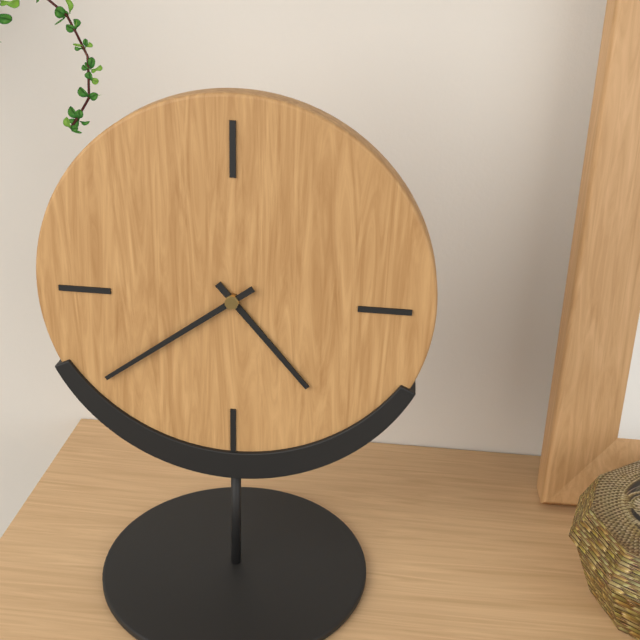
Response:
4.39
